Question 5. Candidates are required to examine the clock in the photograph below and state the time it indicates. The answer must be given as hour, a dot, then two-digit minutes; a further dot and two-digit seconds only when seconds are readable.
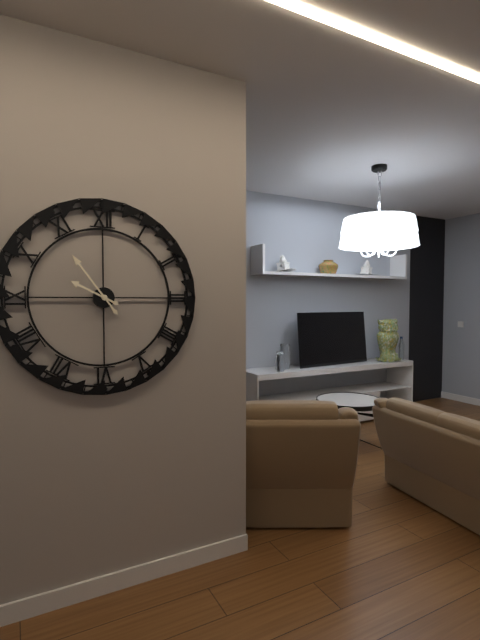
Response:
9.54
